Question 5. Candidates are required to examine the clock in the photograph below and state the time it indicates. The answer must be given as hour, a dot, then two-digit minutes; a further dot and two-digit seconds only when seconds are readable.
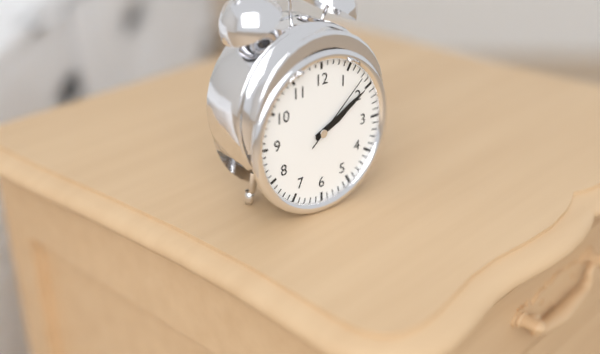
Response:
2.10.08
